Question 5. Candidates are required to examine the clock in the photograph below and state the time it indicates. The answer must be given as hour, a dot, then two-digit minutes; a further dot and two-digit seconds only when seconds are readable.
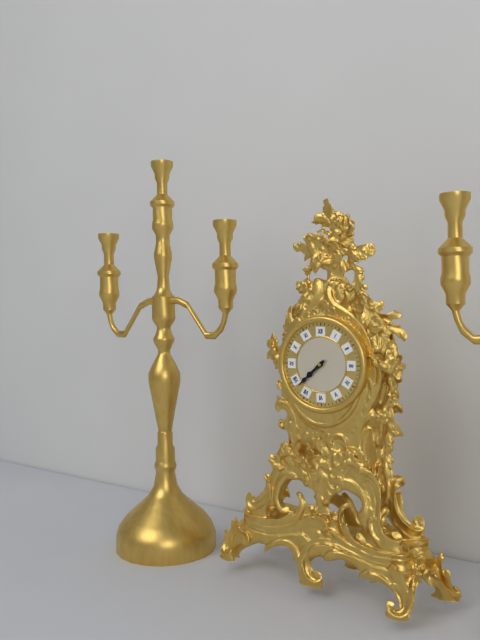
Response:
7.38
